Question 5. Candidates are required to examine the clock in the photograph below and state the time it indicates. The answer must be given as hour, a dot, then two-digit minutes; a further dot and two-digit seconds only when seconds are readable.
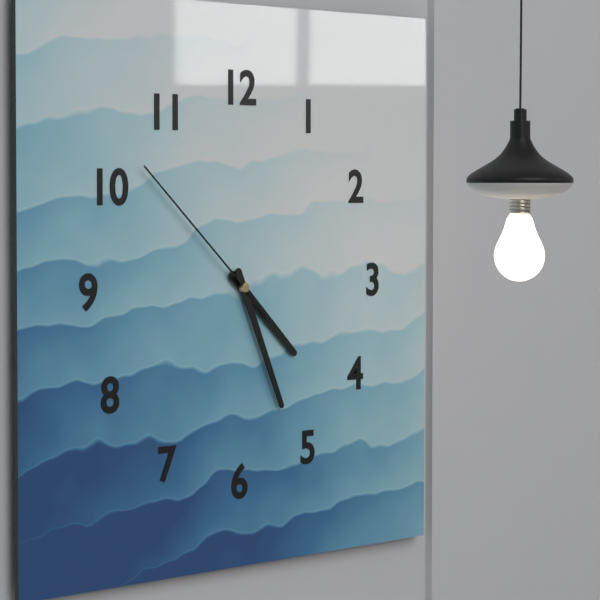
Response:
4.26.52
